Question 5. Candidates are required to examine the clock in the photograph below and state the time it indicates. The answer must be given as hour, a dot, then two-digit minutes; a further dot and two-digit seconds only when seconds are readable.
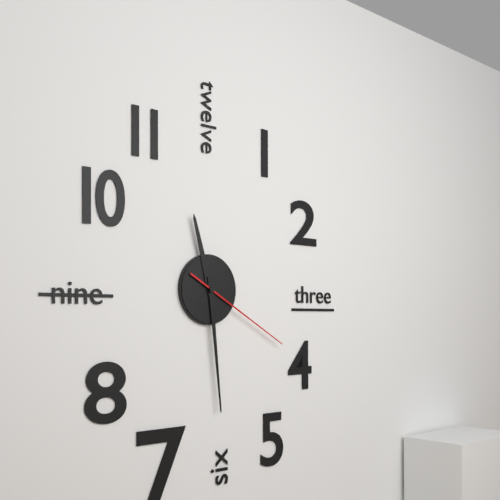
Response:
11.29.20
